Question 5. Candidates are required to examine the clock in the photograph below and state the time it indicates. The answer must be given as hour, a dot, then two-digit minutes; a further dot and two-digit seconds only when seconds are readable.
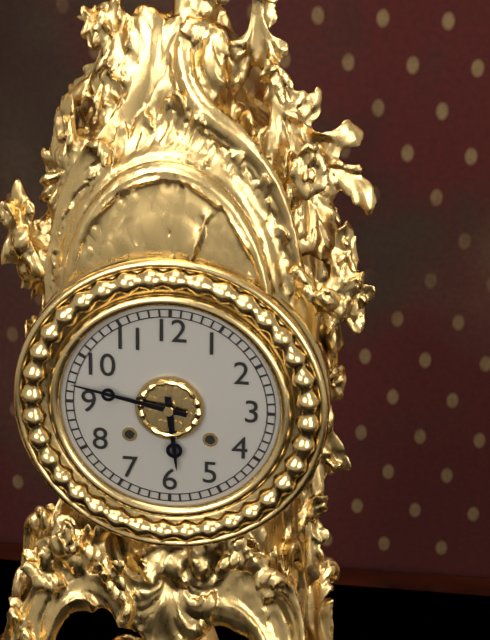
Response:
5.47
